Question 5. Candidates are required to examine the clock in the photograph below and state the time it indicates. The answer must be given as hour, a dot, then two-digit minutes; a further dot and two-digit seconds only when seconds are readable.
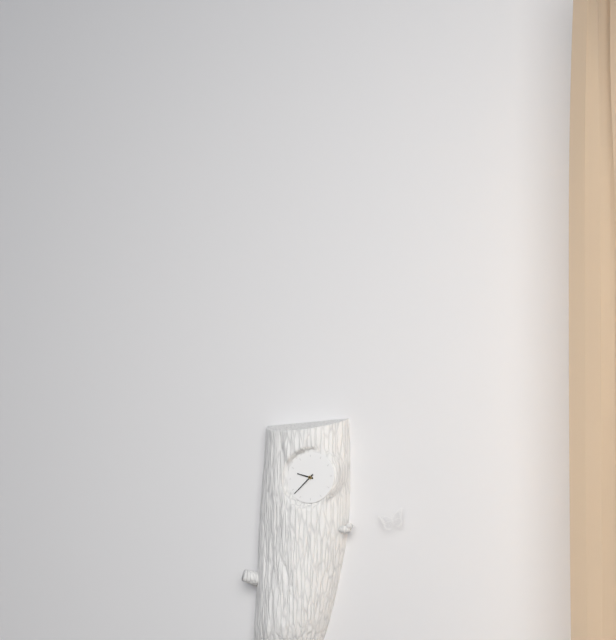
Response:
9.38
